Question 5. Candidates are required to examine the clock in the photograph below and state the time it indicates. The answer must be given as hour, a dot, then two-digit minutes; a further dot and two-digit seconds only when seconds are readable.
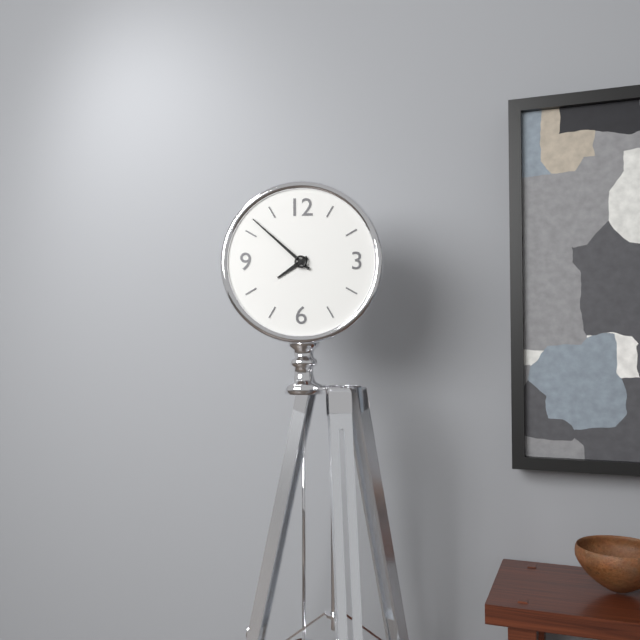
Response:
7.52
